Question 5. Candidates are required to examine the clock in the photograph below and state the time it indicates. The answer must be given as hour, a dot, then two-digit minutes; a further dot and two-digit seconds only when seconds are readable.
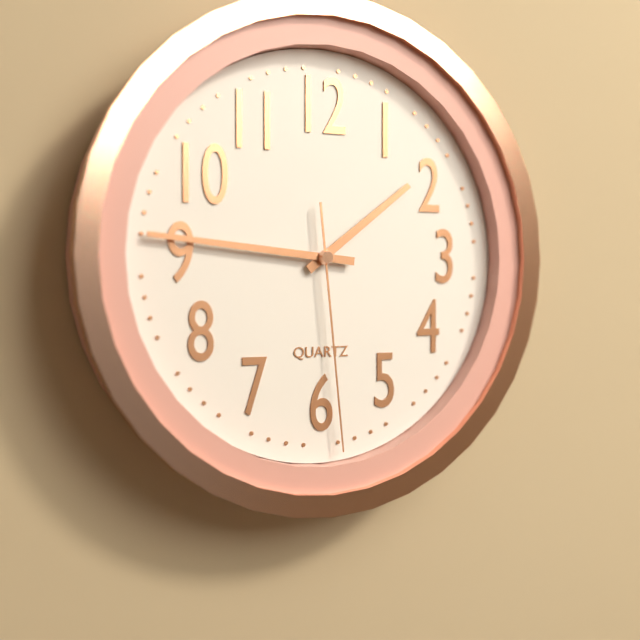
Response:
1.46.29
